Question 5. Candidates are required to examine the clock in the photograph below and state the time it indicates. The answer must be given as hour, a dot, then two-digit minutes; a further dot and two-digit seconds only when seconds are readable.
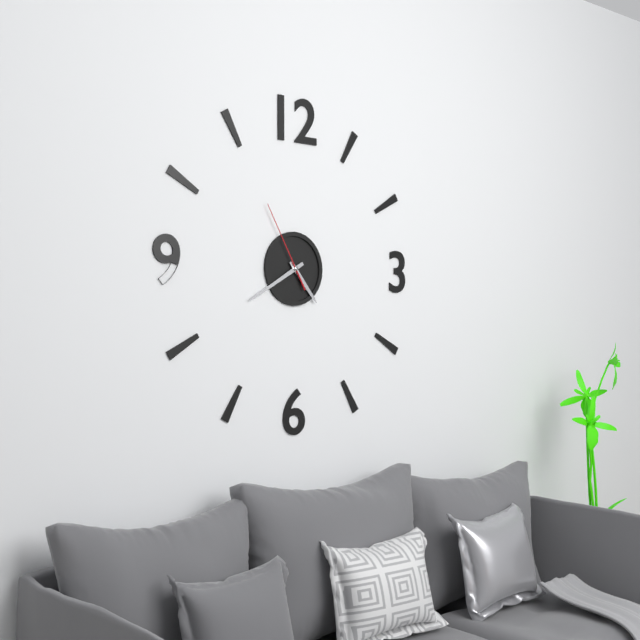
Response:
4.40.55
